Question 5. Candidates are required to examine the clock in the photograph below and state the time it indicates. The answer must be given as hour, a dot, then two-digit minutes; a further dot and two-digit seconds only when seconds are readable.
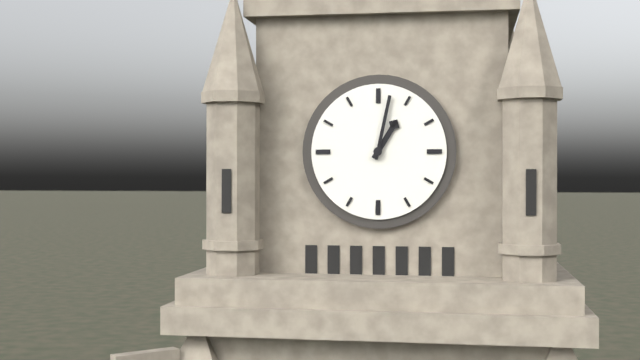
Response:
1.02
